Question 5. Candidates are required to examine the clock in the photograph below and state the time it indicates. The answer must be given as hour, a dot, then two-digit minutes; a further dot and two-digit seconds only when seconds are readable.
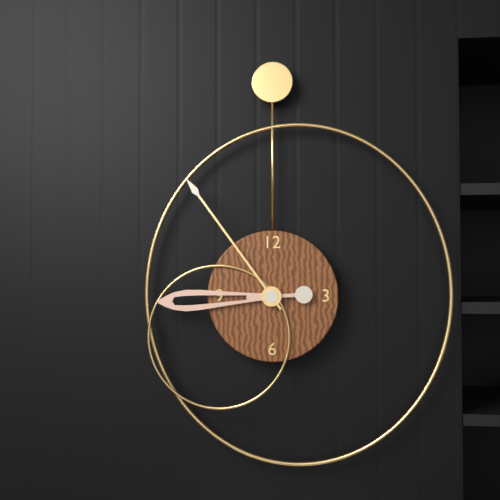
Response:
8.54
